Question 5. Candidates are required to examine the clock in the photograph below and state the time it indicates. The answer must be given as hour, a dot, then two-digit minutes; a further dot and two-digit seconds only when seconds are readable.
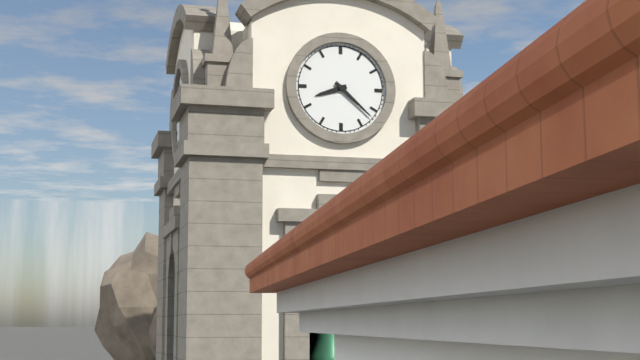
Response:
8.22
